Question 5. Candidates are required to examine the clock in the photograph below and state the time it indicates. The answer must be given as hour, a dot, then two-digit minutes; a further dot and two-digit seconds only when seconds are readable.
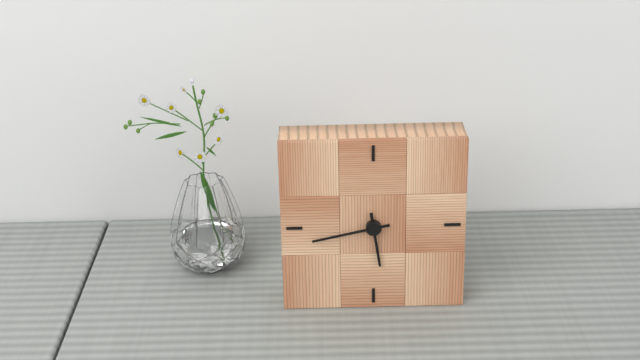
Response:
5.43
